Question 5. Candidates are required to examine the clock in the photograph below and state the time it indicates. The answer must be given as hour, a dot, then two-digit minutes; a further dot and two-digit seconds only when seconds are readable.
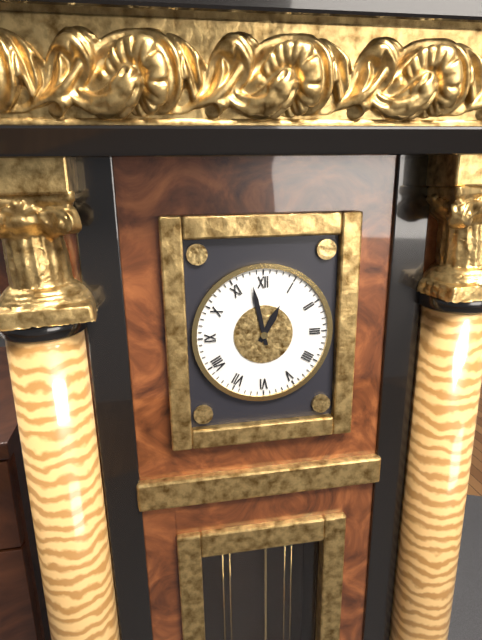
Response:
12.58
